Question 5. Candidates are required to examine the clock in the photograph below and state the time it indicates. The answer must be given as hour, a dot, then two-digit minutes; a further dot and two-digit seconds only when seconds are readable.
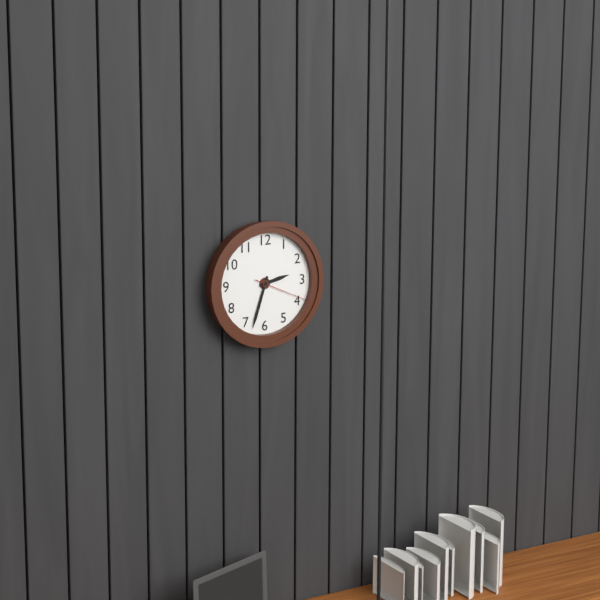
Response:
2.33.19
